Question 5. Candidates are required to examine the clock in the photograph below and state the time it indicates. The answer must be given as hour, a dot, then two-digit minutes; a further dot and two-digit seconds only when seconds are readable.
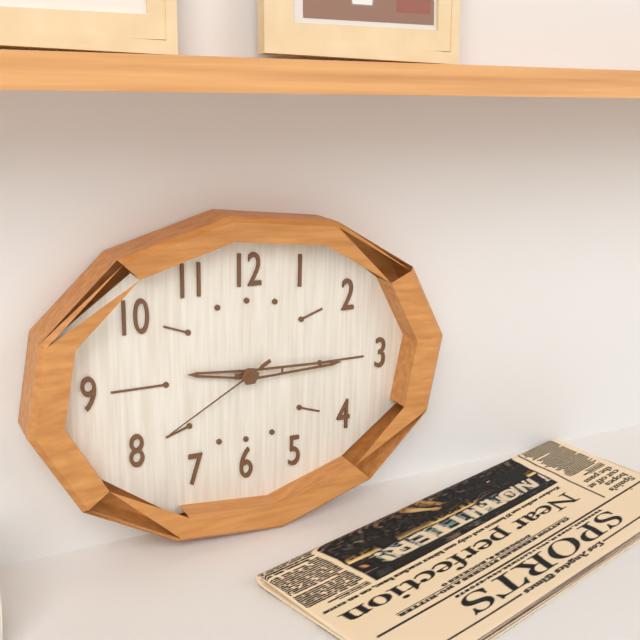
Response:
9.15.40
